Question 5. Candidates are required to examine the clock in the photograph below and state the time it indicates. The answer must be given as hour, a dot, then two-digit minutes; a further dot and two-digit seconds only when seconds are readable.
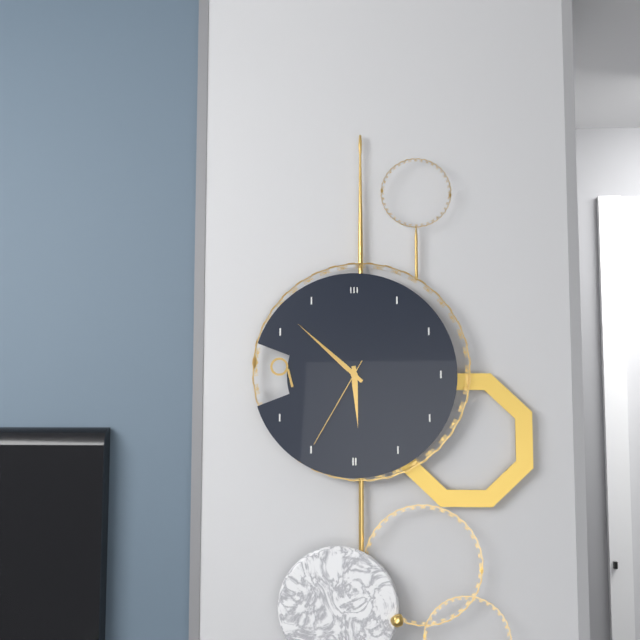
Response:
5.52.35
